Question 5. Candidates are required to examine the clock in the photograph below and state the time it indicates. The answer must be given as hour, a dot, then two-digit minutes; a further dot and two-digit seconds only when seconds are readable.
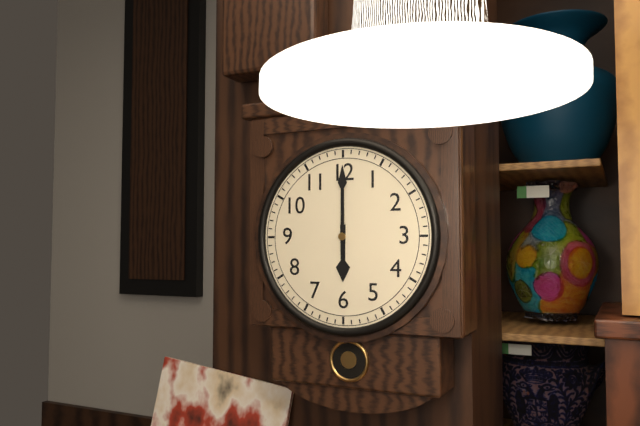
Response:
6.00
